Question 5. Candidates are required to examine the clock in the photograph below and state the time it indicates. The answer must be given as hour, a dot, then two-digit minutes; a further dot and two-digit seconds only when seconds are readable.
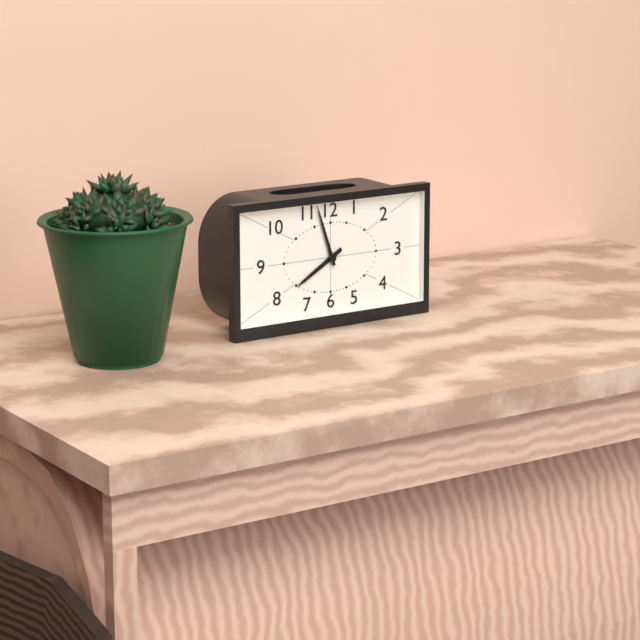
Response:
7.57
